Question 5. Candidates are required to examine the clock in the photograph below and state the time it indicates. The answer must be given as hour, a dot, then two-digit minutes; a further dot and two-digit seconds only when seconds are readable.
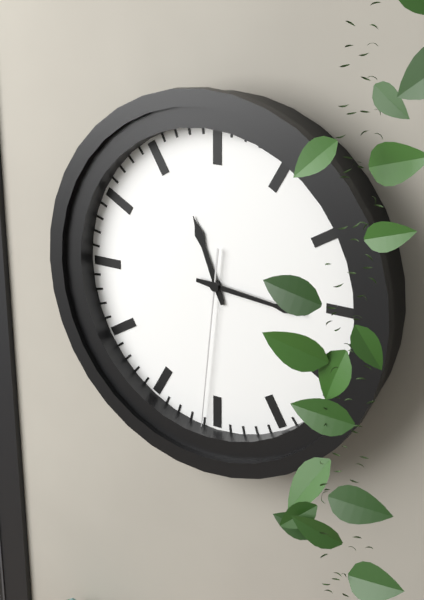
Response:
11.16.31
